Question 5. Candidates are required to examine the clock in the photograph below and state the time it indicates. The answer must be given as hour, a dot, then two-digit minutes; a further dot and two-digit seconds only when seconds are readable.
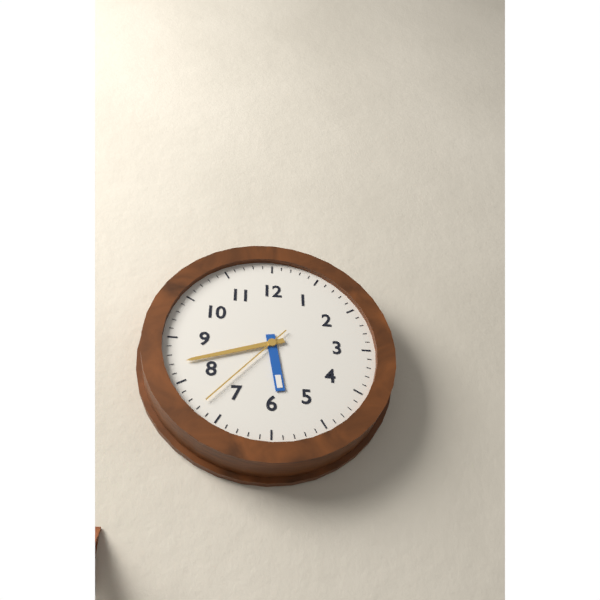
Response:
5.42.37
